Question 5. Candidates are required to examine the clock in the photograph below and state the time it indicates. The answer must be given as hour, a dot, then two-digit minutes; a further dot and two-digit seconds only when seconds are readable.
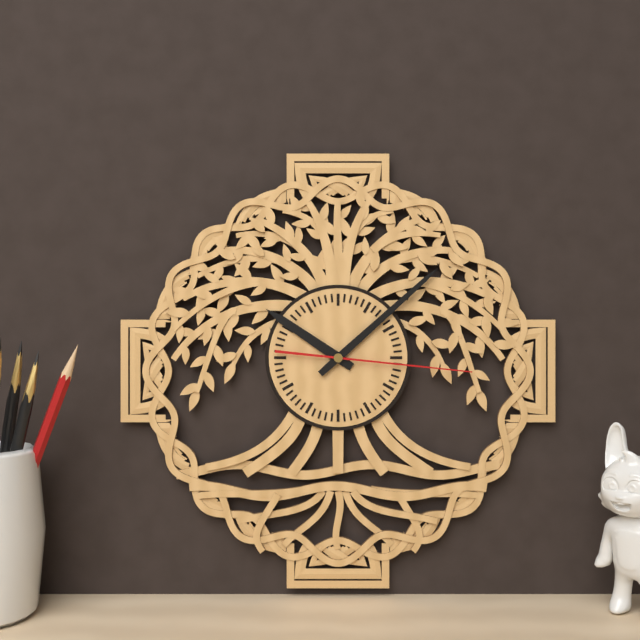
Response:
10.08.16
